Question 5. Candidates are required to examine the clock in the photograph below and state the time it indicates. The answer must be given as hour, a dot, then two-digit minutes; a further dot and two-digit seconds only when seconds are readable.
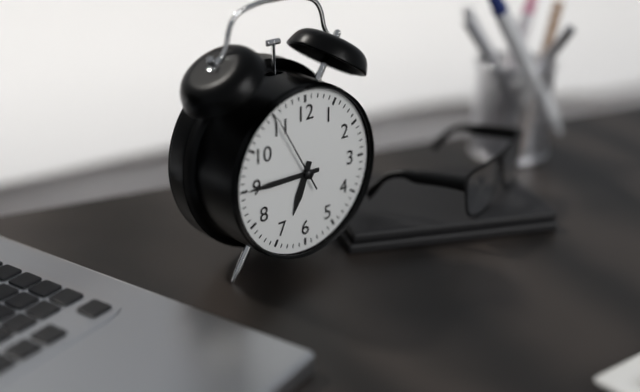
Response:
6.45.55
